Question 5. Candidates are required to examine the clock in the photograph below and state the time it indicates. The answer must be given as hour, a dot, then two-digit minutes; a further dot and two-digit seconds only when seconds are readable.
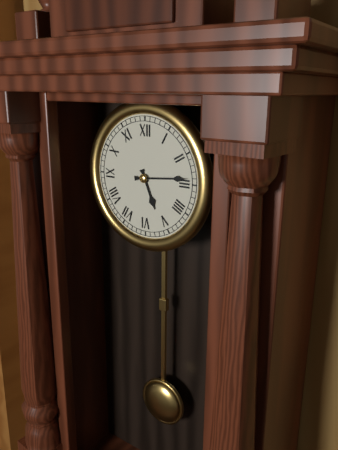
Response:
5.14
